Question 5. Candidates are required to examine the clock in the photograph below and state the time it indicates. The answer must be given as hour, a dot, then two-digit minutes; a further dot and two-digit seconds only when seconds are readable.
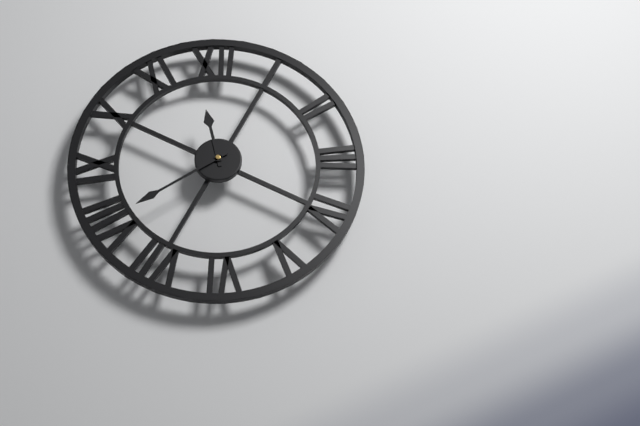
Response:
11.40
